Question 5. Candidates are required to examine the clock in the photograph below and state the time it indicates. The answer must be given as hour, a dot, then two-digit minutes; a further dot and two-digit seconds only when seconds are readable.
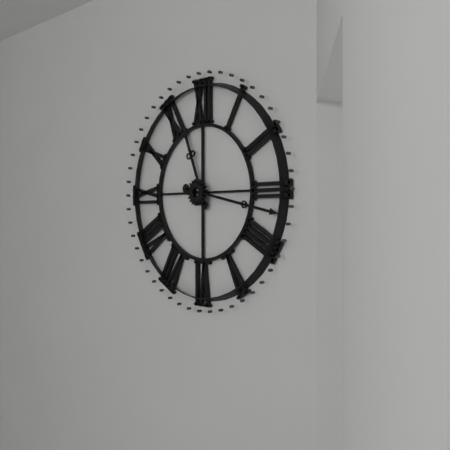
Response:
11.17
